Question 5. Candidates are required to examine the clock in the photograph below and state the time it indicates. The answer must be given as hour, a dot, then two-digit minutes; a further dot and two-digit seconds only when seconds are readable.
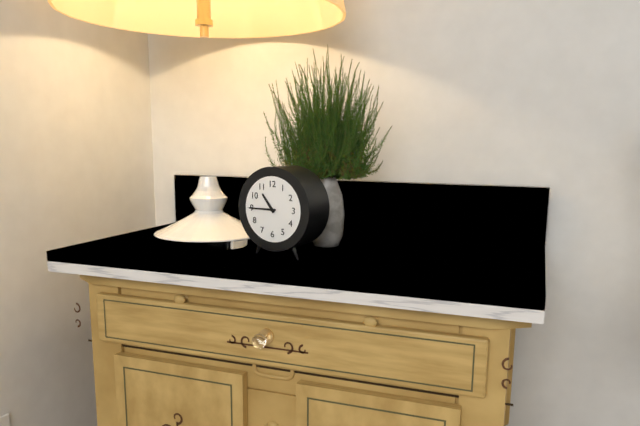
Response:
10.45
